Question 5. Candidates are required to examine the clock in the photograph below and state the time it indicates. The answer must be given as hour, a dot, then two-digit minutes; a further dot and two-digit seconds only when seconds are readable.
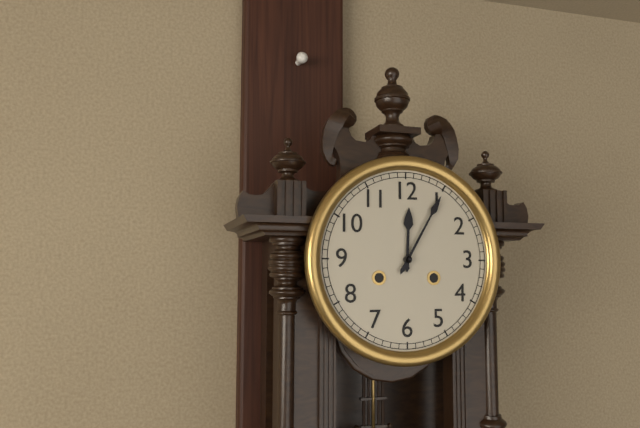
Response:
12.05
